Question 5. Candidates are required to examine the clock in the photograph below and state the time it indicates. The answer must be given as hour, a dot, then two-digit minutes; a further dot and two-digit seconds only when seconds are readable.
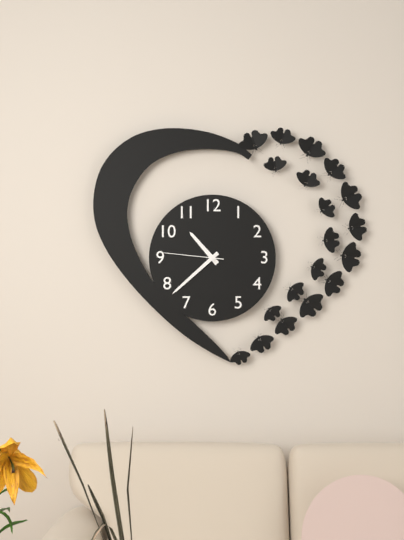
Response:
10.38.46
